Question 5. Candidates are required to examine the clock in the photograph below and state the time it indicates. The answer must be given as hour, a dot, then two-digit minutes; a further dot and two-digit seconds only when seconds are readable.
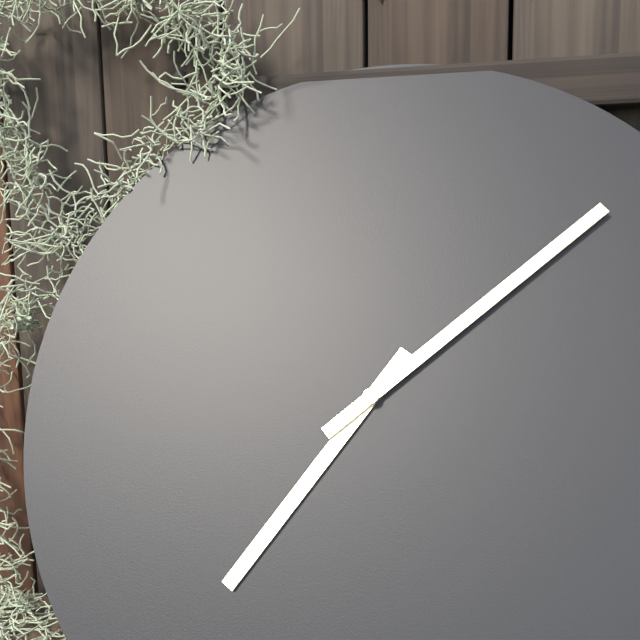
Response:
7.08
